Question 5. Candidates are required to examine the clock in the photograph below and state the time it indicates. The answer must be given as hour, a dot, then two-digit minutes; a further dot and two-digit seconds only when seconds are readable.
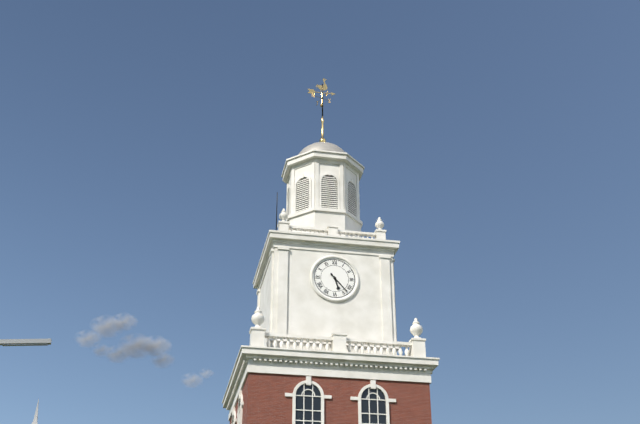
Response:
5.23
